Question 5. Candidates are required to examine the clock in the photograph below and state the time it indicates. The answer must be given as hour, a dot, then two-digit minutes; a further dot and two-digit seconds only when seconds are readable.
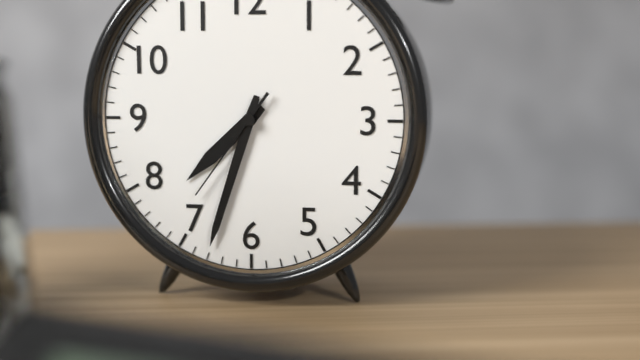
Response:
7.33.36
